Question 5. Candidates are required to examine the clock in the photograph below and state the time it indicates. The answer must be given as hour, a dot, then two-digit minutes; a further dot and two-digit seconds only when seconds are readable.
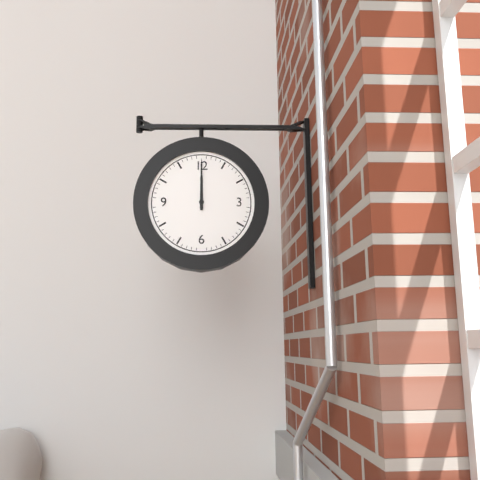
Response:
12.00
